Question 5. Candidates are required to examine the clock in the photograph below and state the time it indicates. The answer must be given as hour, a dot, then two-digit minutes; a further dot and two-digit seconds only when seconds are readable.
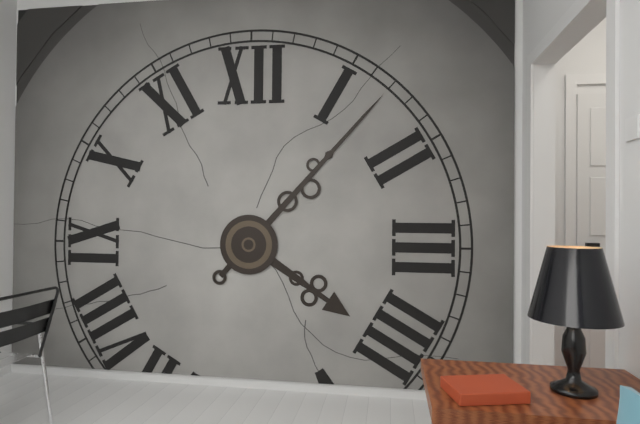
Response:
4.07
